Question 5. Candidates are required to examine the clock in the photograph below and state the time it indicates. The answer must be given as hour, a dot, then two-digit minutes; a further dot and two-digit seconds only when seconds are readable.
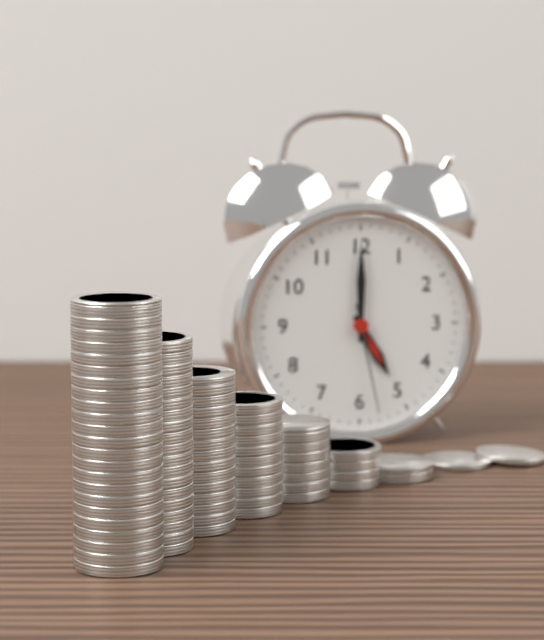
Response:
5.00.28
